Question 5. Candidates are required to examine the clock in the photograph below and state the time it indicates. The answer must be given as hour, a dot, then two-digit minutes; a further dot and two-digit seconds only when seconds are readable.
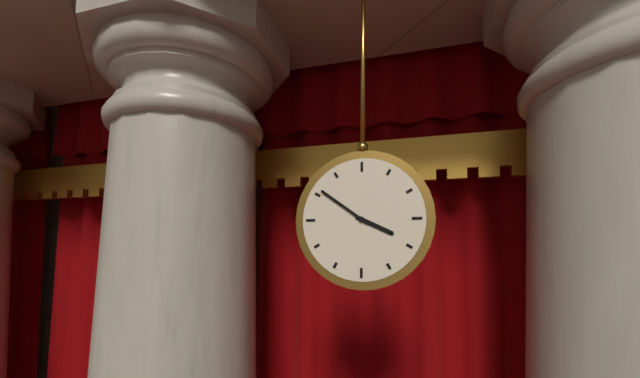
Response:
3.51
